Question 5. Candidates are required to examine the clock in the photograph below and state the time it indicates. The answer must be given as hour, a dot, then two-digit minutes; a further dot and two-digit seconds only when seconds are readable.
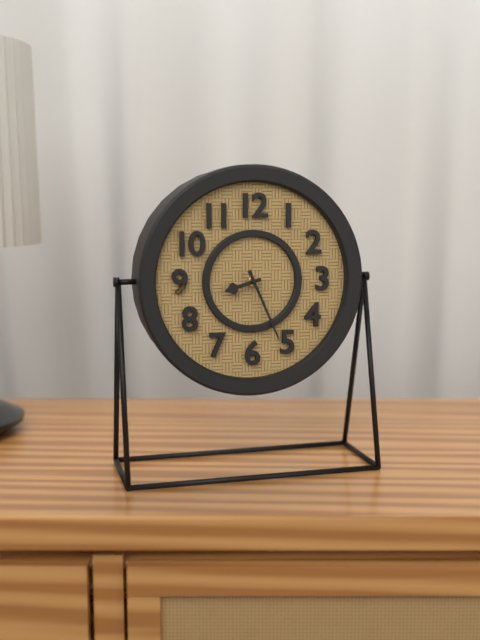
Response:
8.26
